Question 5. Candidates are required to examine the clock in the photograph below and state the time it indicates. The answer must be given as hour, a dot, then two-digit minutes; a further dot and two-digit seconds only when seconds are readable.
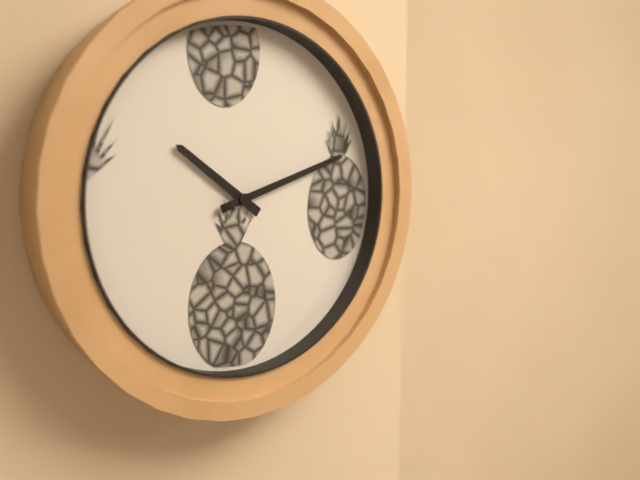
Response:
10.12
